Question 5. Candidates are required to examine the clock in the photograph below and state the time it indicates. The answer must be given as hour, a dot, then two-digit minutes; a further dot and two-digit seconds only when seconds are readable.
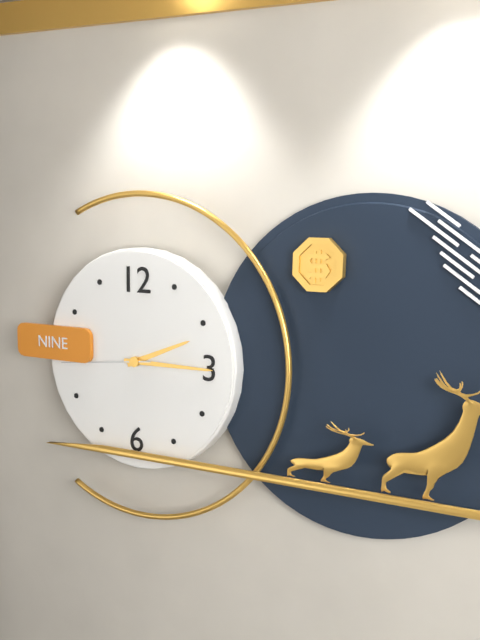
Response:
2.15.44
